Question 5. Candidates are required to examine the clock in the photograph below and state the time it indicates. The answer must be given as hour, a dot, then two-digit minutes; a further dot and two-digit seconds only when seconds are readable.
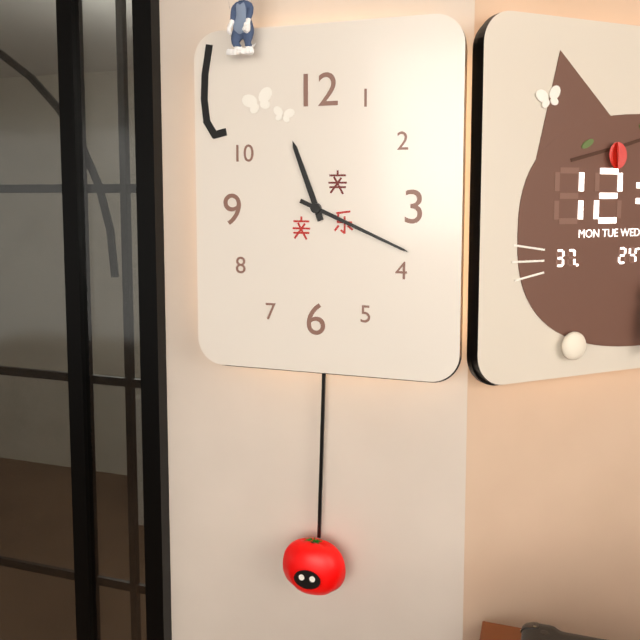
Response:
11.19
